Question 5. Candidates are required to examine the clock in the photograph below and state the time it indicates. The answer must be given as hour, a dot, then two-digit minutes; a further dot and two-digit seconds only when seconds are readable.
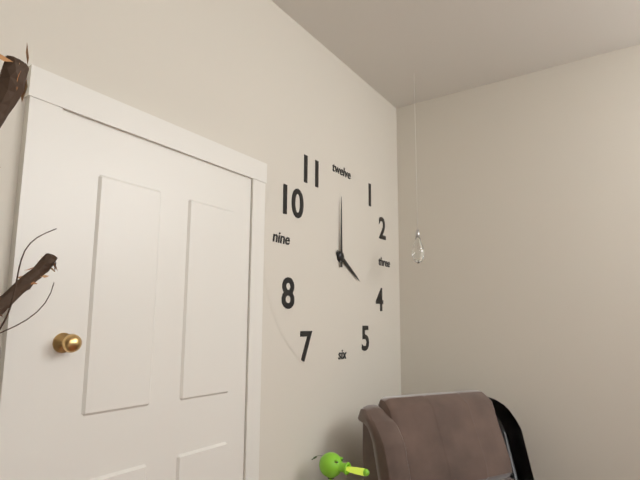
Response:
4.00
